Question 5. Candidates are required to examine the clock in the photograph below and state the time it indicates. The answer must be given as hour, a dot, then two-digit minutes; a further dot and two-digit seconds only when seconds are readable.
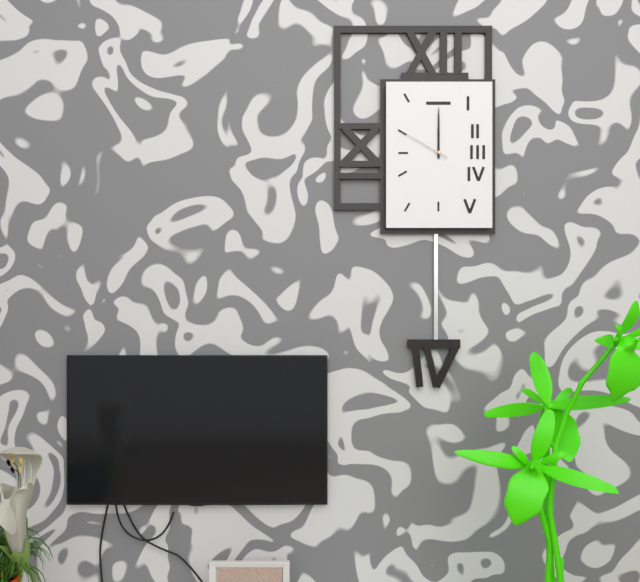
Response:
12.00.50
